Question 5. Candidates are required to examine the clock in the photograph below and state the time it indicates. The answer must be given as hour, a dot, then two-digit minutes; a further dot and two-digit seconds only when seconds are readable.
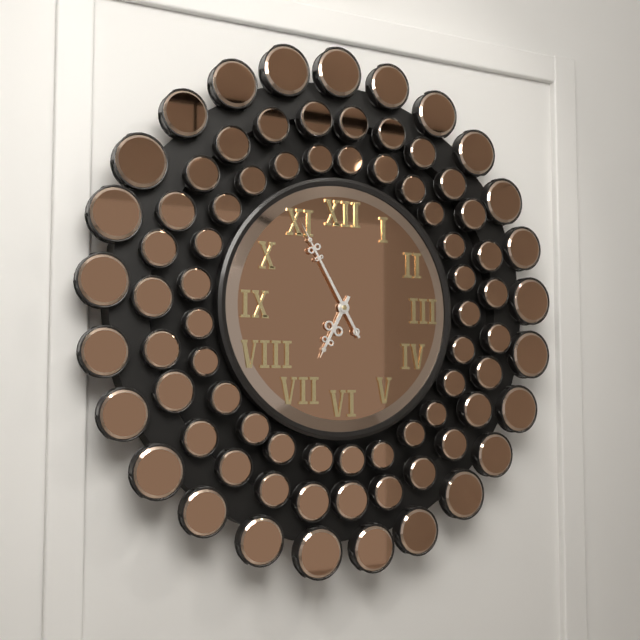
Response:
6.55
